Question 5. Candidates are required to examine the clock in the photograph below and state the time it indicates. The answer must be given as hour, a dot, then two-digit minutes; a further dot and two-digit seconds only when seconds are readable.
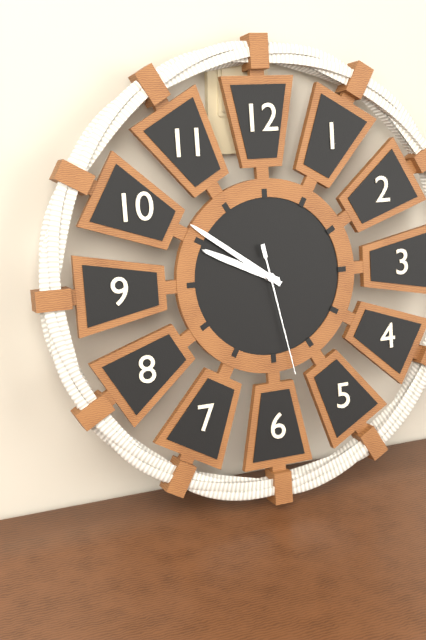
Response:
9.51.28
